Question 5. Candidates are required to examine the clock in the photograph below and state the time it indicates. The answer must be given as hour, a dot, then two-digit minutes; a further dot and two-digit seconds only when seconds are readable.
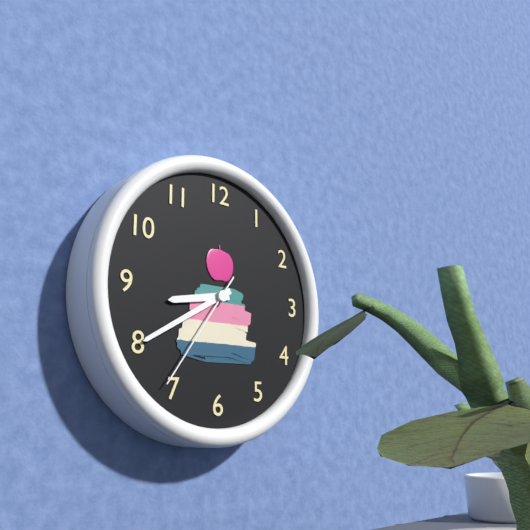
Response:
8.40.36
